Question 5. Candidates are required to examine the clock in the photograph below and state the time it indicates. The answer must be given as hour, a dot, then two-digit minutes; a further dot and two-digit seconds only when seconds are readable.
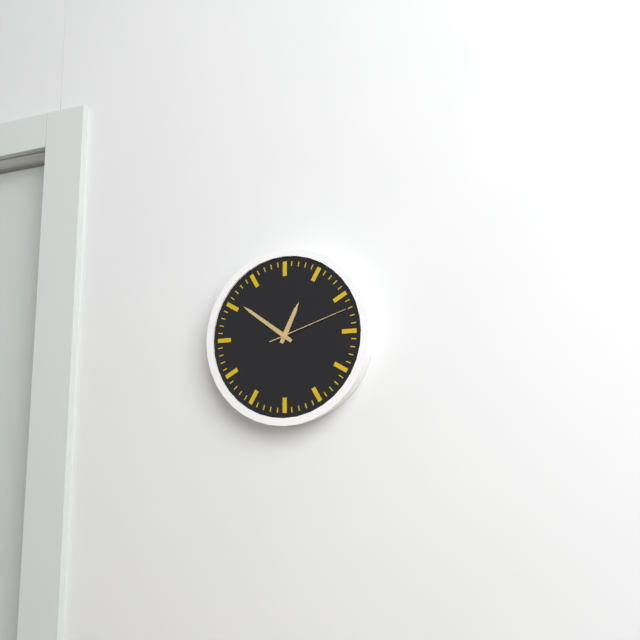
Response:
12.51.12
